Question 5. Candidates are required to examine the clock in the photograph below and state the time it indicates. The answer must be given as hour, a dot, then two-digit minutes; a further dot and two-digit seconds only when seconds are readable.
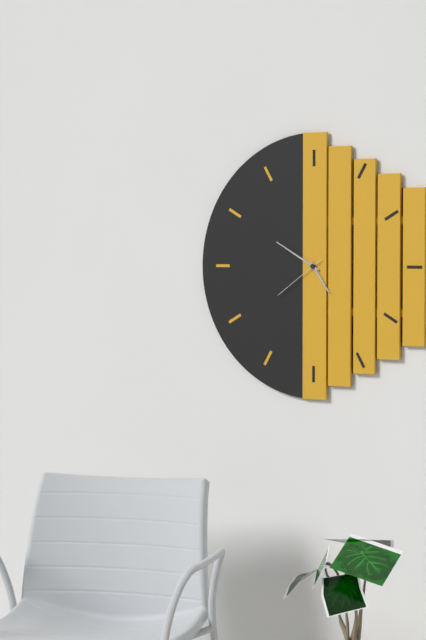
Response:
4.50.39
